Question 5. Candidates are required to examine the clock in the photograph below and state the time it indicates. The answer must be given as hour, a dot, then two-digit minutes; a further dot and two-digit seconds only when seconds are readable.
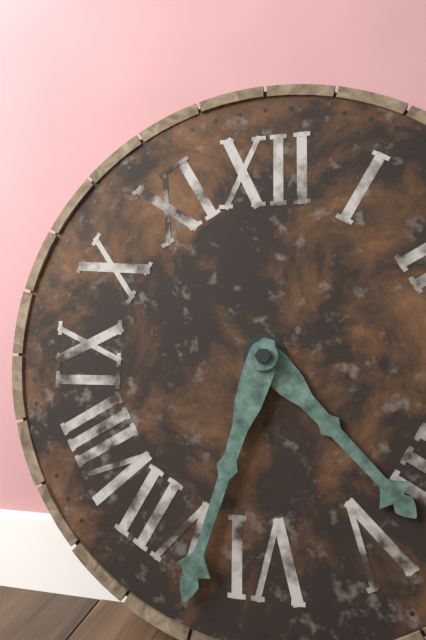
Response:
4.33
